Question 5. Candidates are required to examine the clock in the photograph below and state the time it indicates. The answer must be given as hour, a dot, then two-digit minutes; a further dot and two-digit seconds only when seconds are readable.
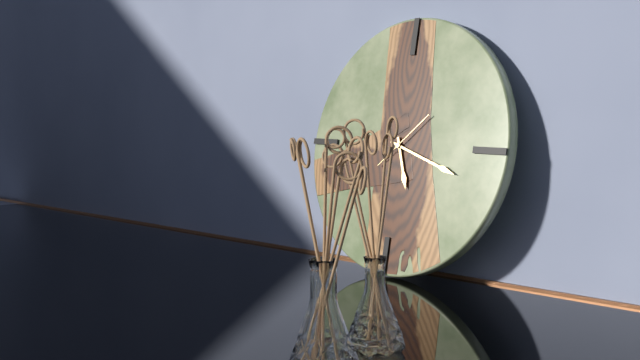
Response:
5.18
